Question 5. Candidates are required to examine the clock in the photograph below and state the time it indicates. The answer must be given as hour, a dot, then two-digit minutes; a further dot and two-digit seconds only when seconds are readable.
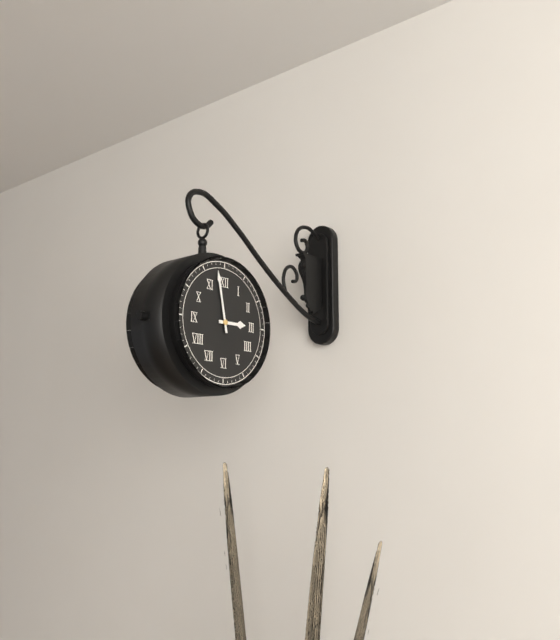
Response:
2.58
